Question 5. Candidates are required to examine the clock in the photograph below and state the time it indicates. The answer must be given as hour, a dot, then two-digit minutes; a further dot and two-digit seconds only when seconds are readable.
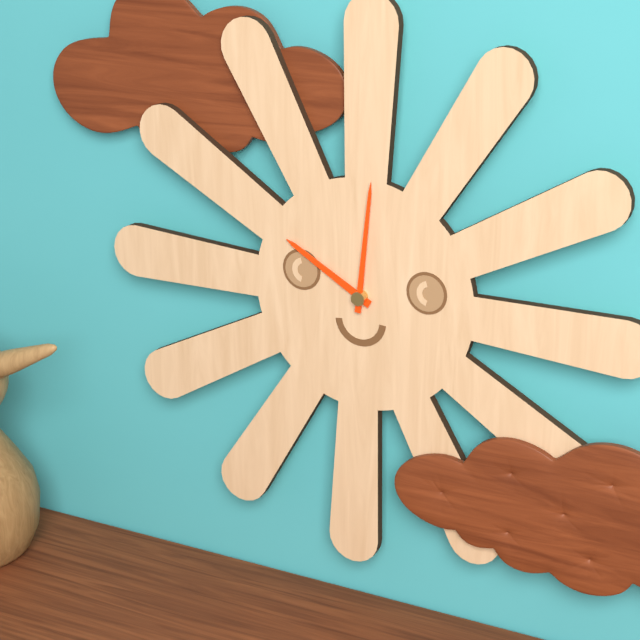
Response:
10.01
